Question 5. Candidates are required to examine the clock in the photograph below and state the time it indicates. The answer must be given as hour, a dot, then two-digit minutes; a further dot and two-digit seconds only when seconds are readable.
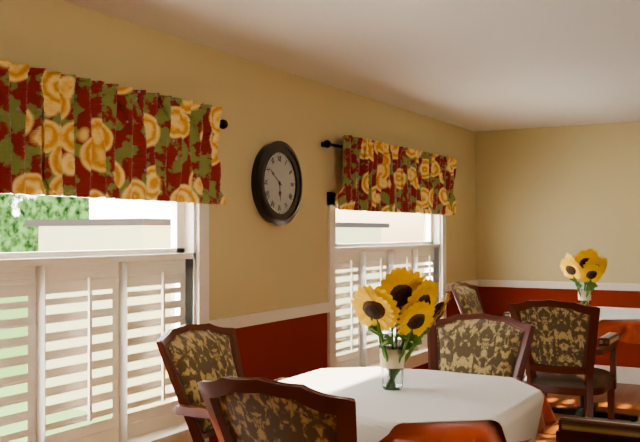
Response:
5.51
